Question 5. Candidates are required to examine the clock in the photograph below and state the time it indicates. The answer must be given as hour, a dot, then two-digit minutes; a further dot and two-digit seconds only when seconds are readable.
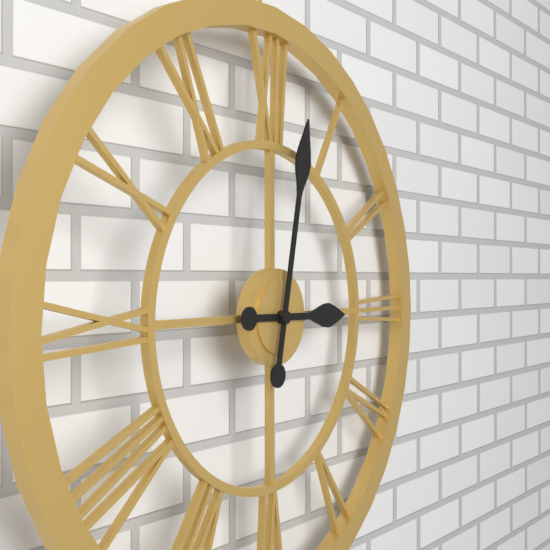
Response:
3.02
